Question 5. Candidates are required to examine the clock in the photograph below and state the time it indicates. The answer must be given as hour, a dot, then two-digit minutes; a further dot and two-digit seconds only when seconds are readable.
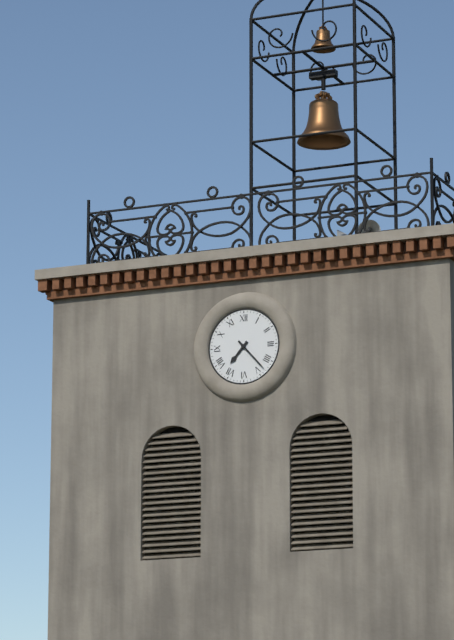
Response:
7.23
